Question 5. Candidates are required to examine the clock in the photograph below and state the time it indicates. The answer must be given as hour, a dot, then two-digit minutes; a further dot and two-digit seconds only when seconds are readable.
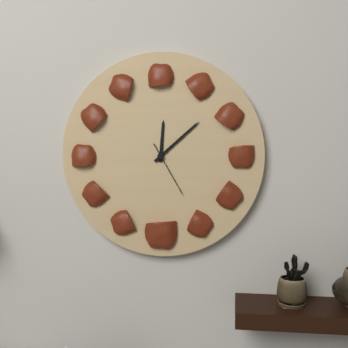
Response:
12.08.25
